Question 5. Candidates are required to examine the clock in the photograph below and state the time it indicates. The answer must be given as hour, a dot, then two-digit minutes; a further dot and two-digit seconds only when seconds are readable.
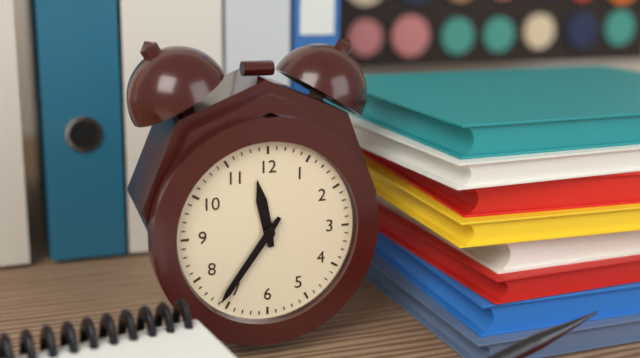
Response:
11.36
